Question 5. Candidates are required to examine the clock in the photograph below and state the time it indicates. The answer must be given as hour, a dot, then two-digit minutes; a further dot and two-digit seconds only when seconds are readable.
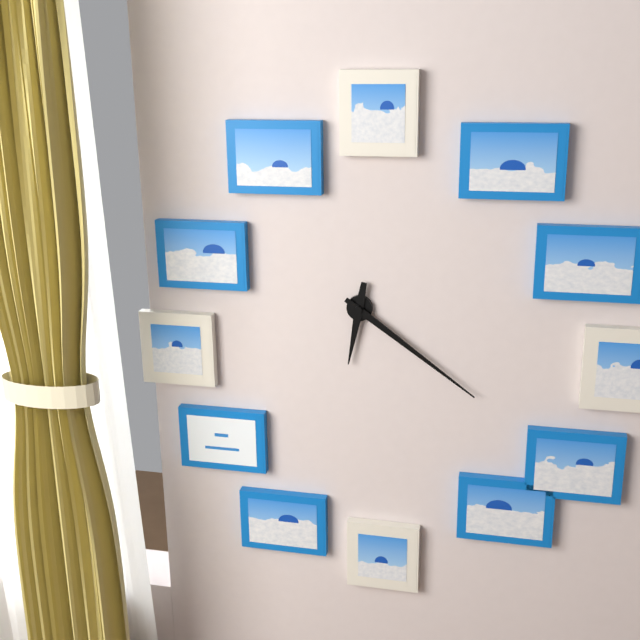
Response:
6.21
